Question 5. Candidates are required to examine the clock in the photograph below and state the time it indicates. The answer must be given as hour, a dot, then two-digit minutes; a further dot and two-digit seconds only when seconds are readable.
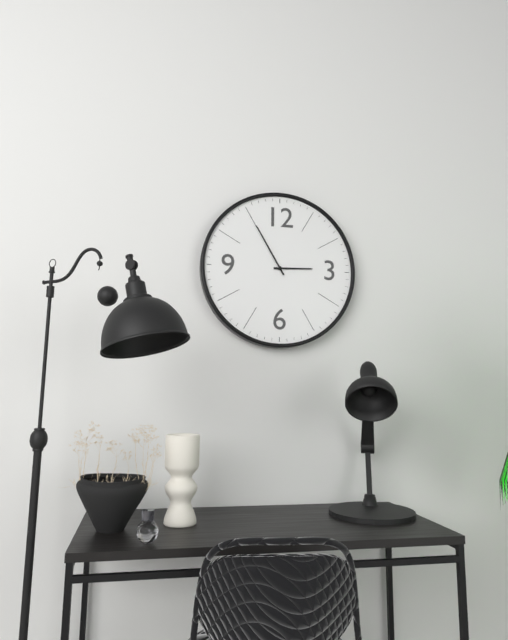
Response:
2.55
